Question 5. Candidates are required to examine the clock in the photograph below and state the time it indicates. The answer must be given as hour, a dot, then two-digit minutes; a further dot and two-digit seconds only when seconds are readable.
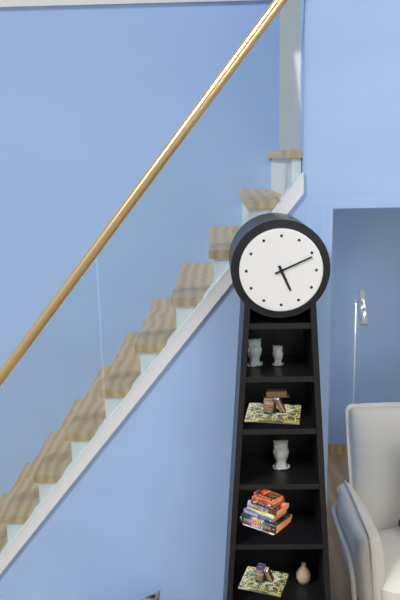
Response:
5.11
